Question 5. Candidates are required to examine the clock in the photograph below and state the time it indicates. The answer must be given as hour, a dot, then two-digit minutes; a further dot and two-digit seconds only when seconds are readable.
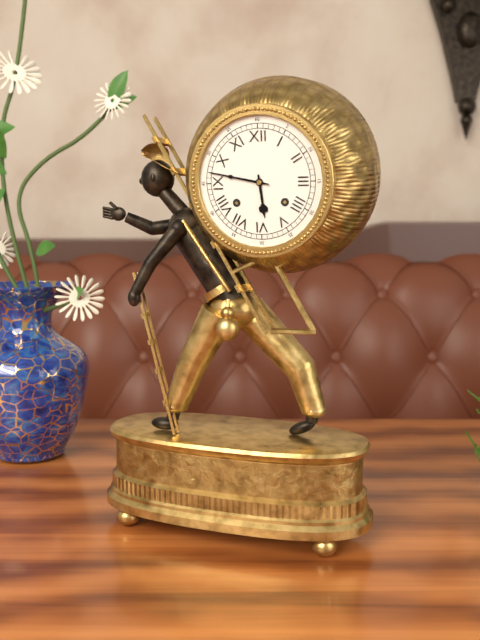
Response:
5.47
